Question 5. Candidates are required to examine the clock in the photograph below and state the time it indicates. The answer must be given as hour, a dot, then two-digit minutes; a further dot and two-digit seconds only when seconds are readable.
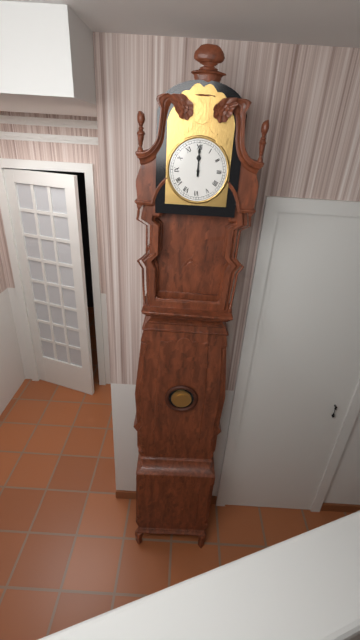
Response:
12.00
